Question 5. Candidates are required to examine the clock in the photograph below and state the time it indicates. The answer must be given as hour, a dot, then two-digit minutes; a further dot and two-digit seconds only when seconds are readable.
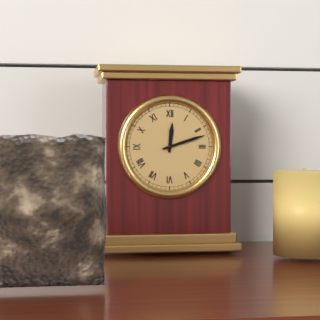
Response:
12.12
